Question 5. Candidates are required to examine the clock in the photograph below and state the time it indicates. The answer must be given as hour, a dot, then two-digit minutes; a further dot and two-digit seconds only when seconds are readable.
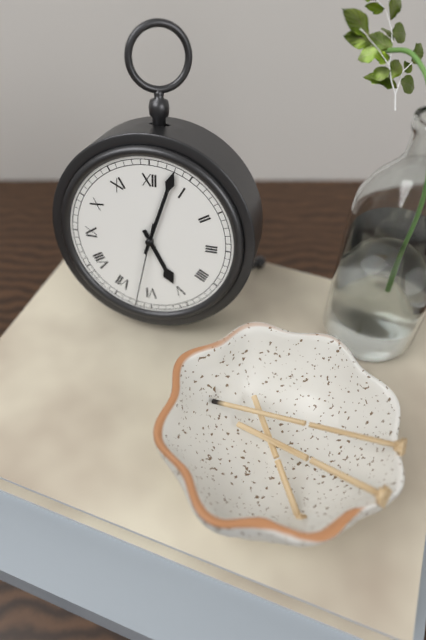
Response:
5.03.32
